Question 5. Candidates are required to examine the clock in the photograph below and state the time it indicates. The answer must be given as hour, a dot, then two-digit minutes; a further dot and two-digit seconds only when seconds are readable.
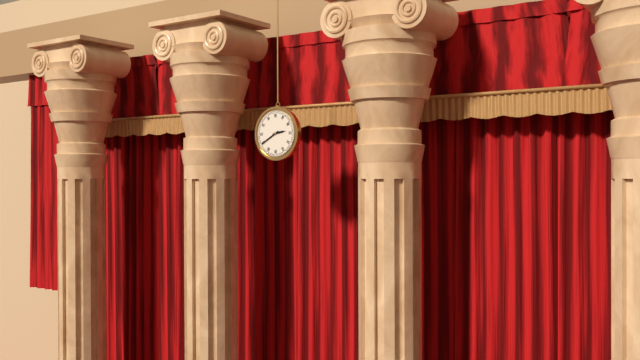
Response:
2.40
